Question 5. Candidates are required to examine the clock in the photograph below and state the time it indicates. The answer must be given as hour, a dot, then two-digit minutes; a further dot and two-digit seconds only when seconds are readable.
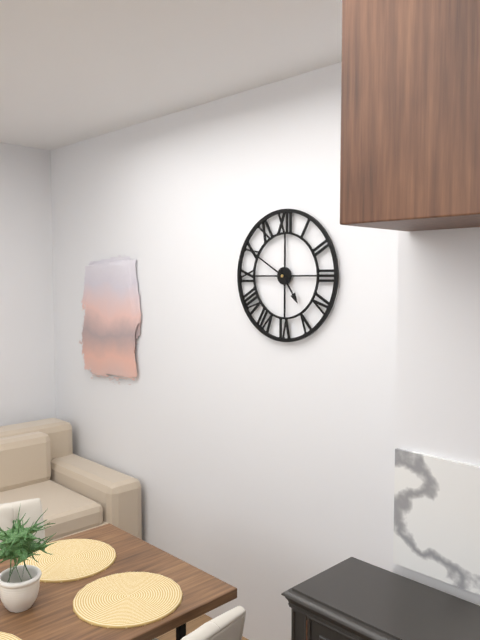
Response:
4.50
